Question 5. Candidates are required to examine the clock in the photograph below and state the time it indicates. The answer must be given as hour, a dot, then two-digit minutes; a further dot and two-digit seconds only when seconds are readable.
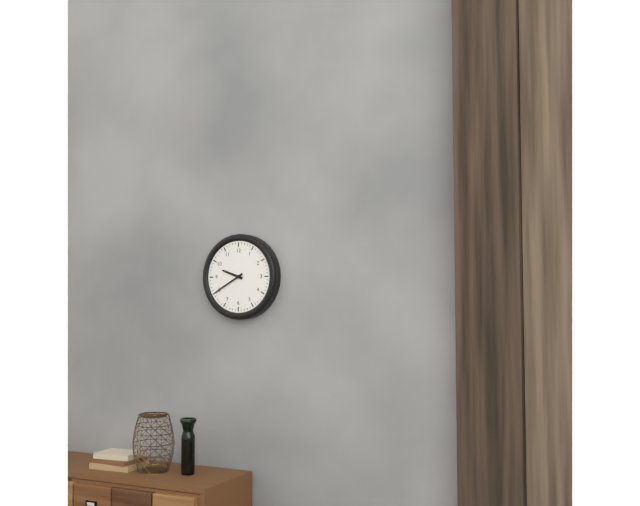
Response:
9.40
